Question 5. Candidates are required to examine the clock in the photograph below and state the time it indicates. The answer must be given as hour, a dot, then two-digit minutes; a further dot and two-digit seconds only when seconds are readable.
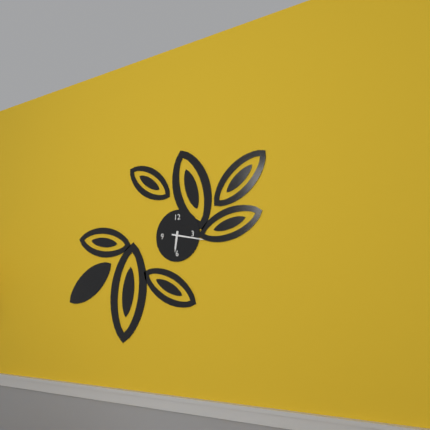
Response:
6.17
